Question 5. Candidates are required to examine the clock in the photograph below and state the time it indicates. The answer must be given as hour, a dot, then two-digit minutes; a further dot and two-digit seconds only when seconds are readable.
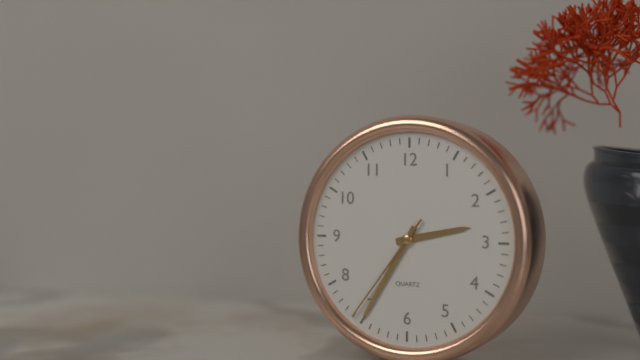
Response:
2.35.36
